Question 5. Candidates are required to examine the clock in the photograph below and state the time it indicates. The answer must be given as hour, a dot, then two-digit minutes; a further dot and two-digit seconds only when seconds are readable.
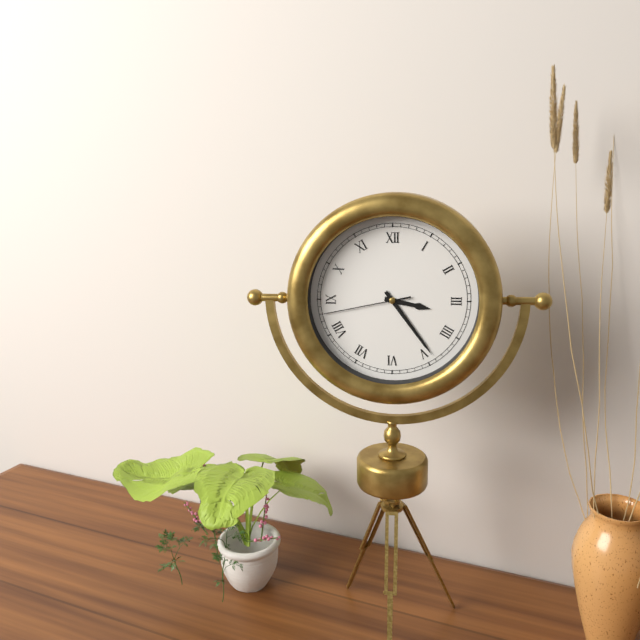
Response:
3.24.43
